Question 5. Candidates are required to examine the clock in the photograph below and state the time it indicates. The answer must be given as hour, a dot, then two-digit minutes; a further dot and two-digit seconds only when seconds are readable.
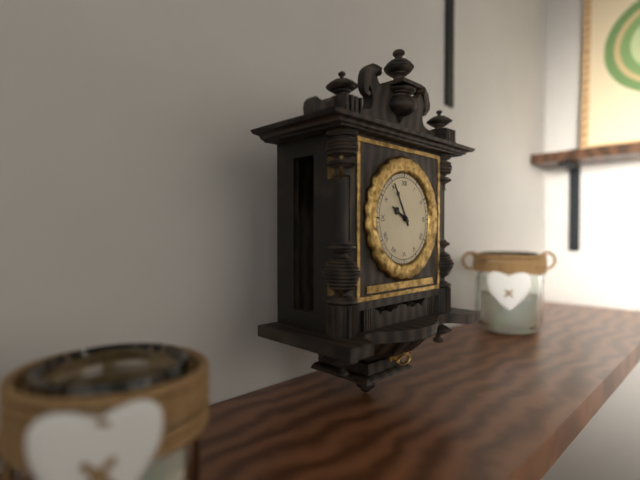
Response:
9.55
